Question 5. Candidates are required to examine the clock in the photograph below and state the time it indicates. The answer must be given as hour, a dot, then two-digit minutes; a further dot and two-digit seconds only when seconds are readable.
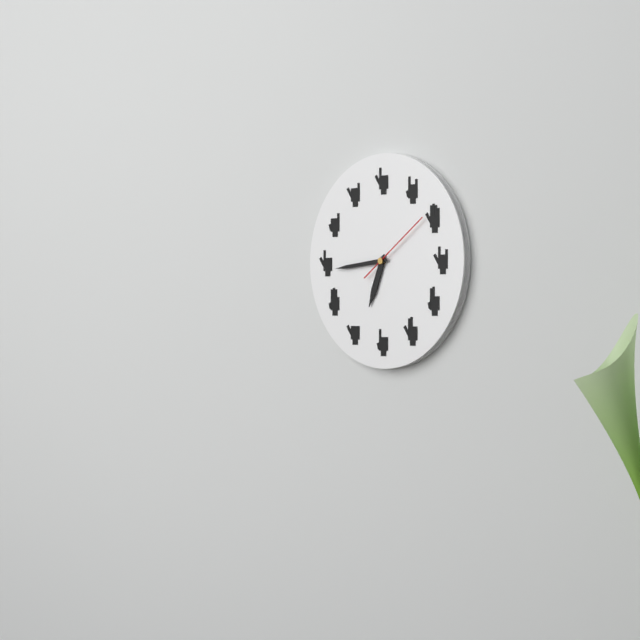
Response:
6.44.09
